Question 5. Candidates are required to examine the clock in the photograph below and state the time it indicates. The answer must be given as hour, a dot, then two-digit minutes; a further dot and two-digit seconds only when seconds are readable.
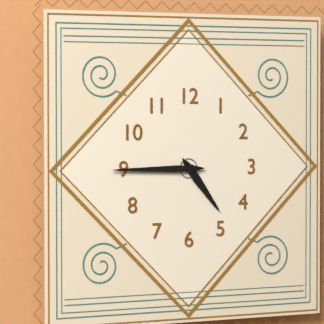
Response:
4.45
